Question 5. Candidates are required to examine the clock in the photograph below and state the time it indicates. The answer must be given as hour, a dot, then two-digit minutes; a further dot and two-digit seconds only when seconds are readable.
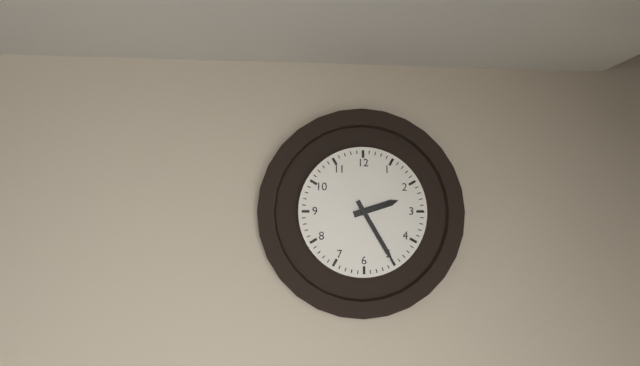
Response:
2.25
